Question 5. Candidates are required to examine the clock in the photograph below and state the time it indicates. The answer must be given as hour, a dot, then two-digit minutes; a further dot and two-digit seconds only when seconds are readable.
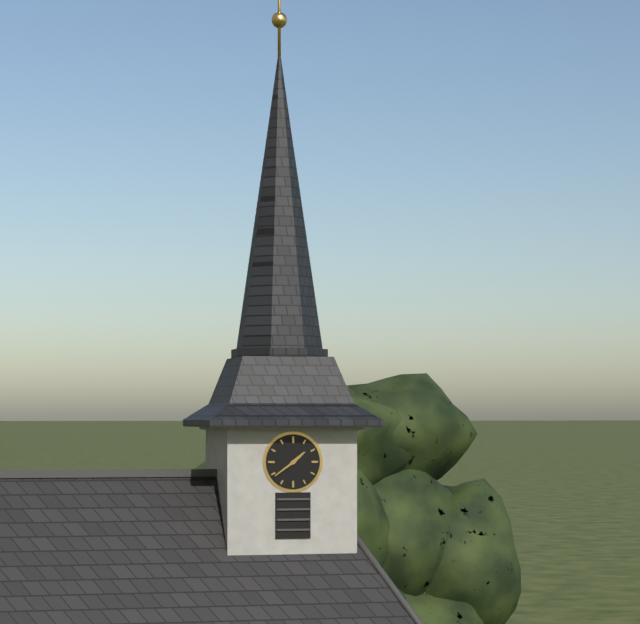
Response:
1.39
